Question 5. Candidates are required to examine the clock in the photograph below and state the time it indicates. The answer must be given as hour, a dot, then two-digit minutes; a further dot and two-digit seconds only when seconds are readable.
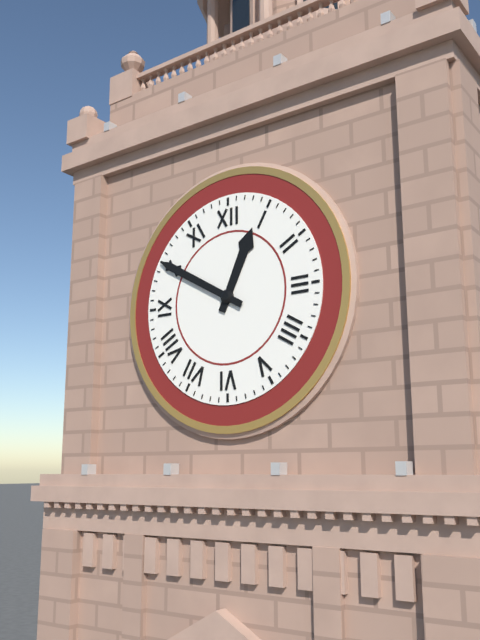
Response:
12.50
